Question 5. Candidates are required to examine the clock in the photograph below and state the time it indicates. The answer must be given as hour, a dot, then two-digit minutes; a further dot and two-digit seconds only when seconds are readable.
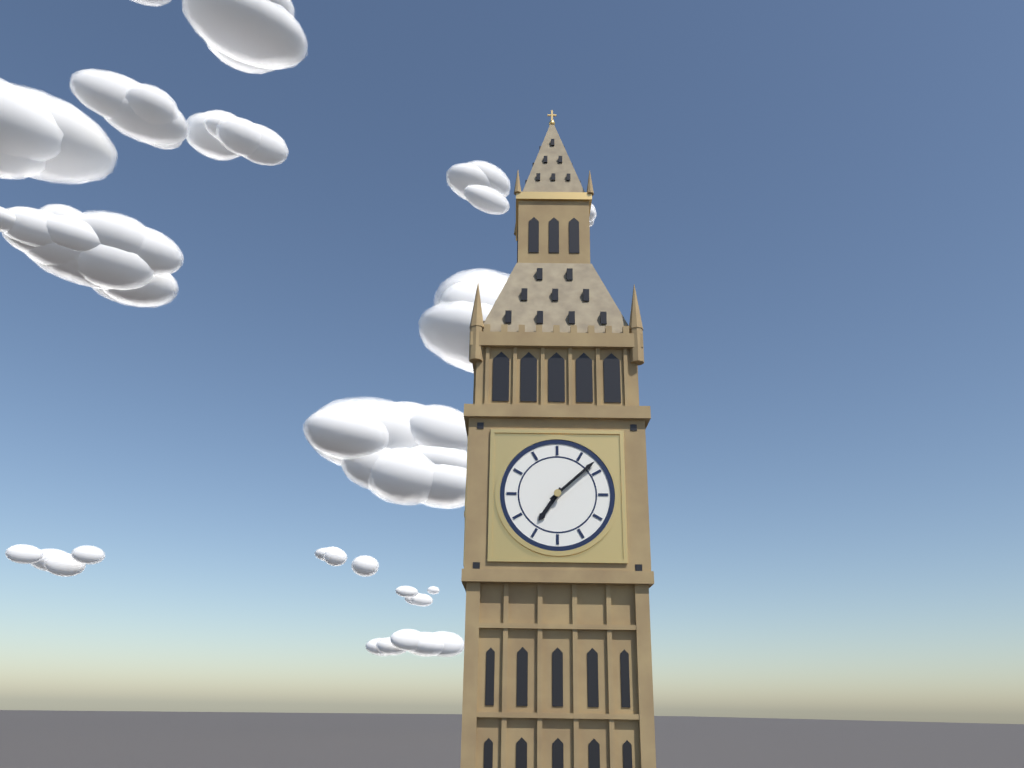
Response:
7.08
